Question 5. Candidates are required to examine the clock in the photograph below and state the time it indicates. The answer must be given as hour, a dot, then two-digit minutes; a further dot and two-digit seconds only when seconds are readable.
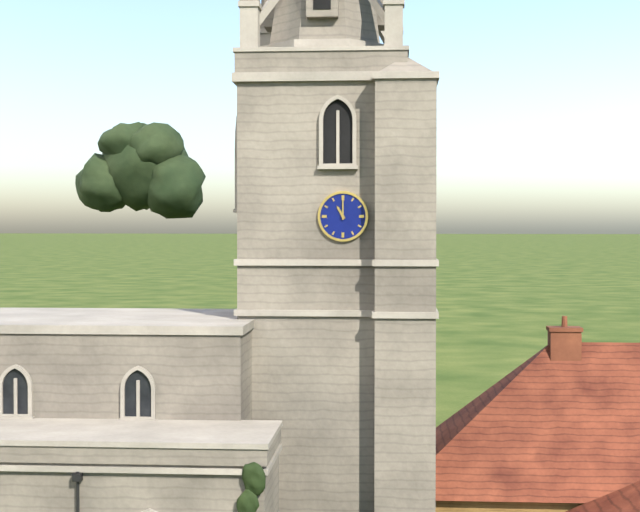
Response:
11.00
